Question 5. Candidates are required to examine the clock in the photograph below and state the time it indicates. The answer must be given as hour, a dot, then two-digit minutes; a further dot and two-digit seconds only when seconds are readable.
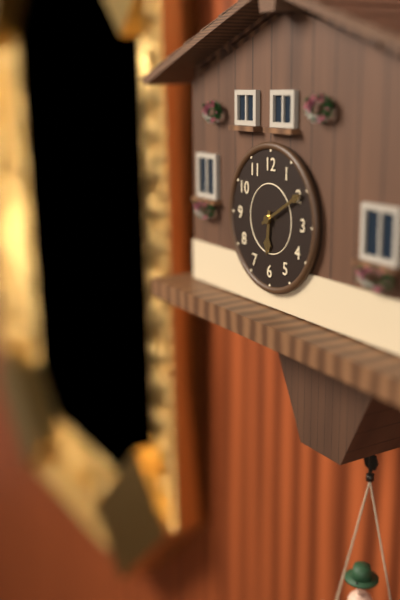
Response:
6.10
